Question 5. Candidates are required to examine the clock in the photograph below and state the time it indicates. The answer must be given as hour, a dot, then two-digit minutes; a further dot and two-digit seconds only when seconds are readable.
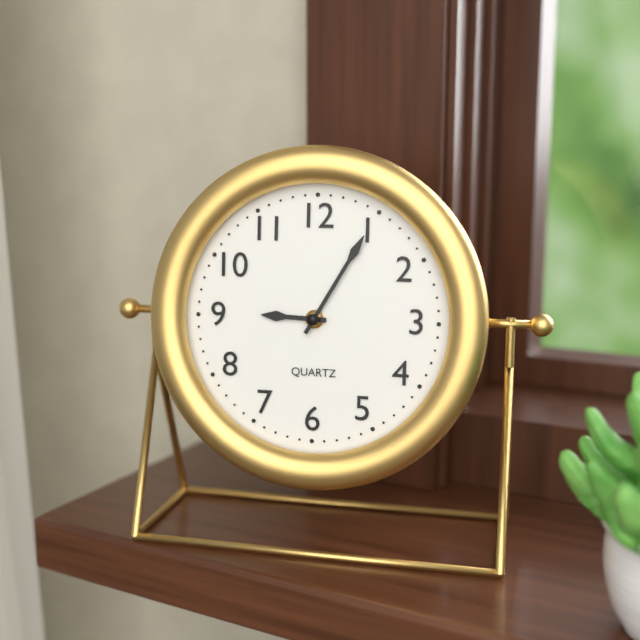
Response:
9.05
